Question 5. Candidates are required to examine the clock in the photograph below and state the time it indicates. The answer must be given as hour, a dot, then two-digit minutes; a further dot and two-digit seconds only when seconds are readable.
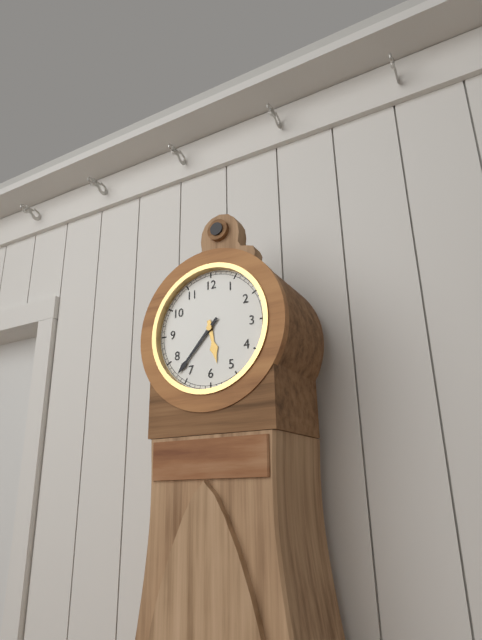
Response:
5.37
